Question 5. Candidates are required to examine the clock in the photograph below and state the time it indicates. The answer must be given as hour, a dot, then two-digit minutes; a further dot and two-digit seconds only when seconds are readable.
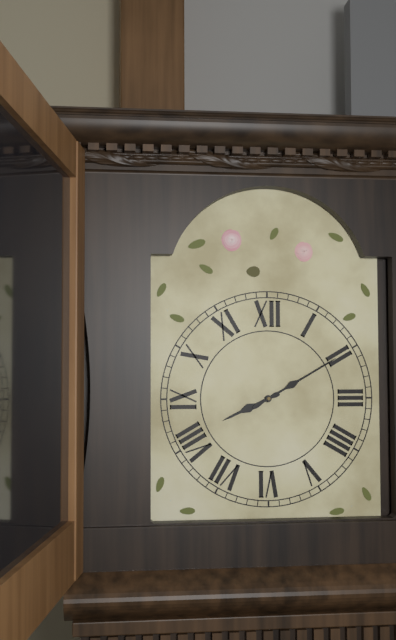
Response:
8.10
